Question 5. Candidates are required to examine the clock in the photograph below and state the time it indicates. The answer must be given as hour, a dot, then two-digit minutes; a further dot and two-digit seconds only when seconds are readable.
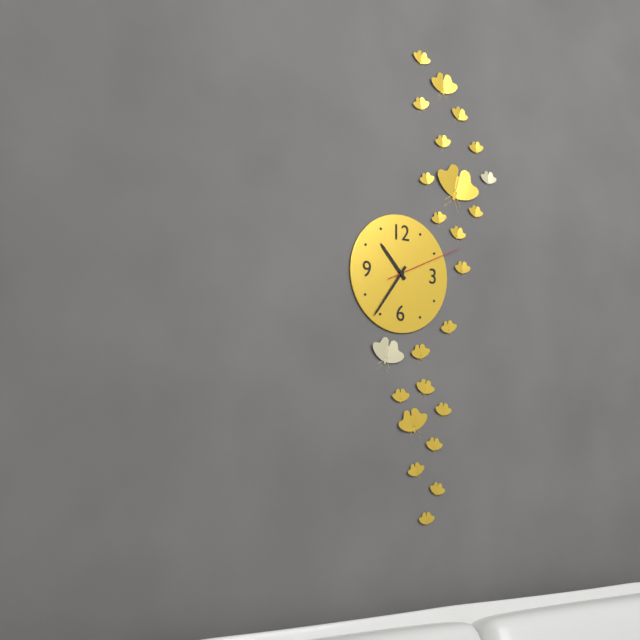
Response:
10.36.11
